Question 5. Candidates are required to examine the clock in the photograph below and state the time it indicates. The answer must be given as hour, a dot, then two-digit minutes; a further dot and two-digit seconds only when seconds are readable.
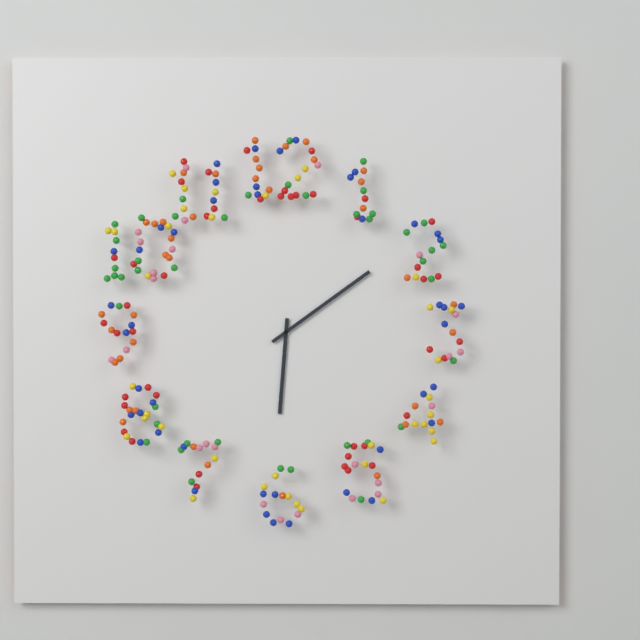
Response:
6.09
